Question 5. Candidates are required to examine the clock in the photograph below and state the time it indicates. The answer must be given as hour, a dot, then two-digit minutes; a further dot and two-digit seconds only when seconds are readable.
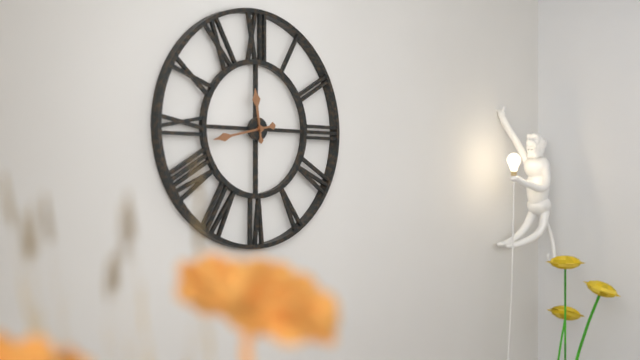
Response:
11.43
